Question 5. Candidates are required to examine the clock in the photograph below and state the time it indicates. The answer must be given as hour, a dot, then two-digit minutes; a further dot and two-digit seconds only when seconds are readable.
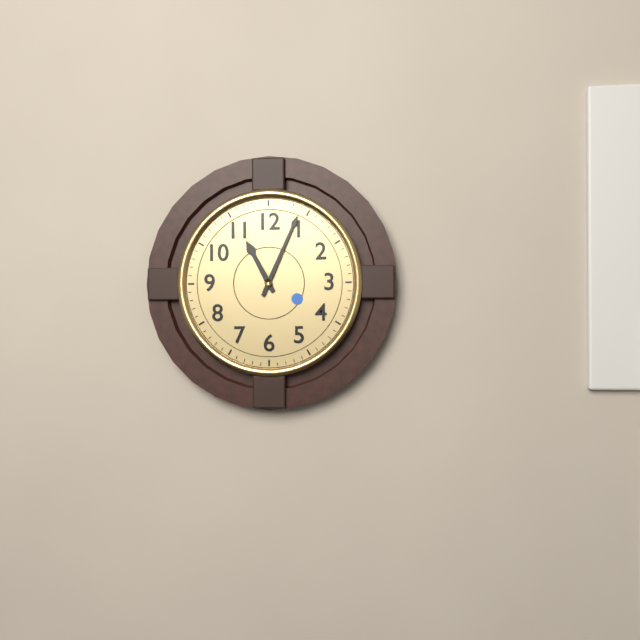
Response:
11.04
